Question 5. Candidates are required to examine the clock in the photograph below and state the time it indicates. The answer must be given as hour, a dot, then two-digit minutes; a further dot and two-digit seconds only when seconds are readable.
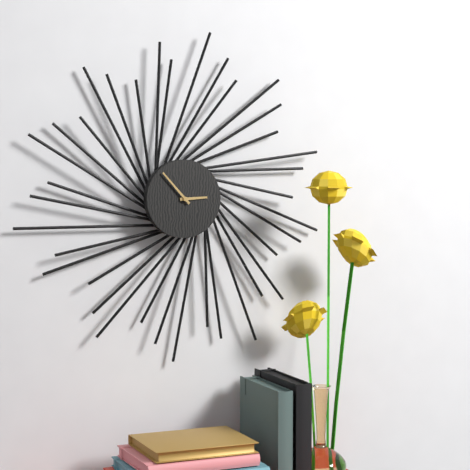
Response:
2.53
